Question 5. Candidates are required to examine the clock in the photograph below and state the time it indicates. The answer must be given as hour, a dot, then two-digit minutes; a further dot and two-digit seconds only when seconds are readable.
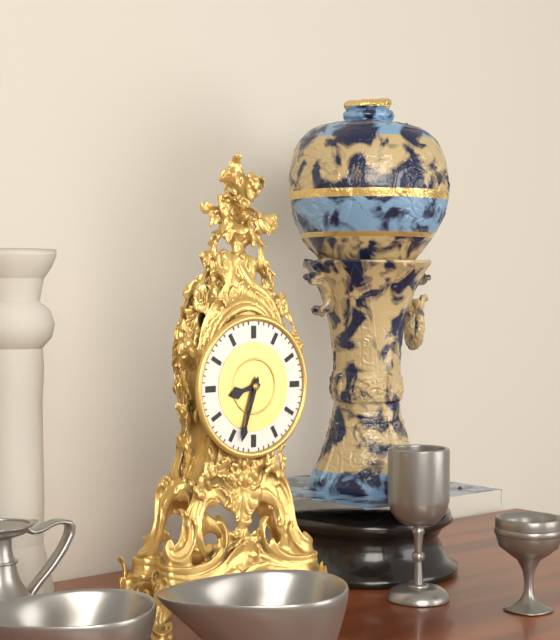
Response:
8.33
